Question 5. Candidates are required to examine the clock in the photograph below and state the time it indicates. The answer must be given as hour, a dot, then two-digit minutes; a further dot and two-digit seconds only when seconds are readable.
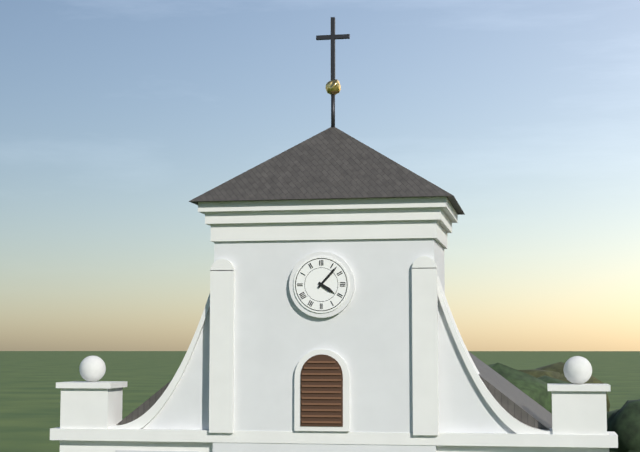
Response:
4.07
